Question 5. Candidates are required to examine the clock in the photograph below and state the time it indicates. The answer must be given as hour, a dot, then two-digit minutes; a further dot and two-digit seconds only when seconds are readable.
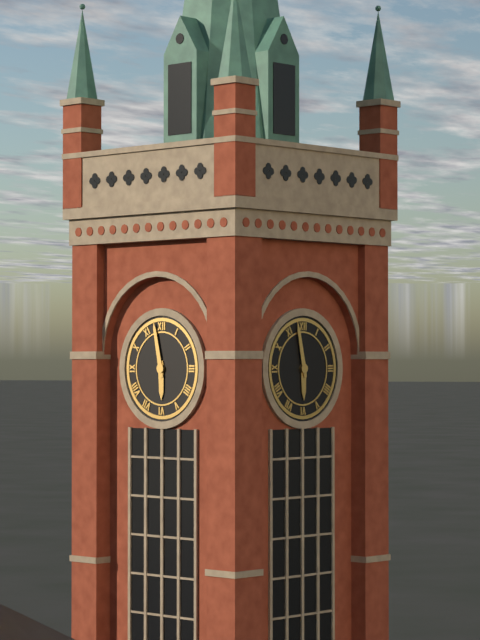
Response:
5.58
